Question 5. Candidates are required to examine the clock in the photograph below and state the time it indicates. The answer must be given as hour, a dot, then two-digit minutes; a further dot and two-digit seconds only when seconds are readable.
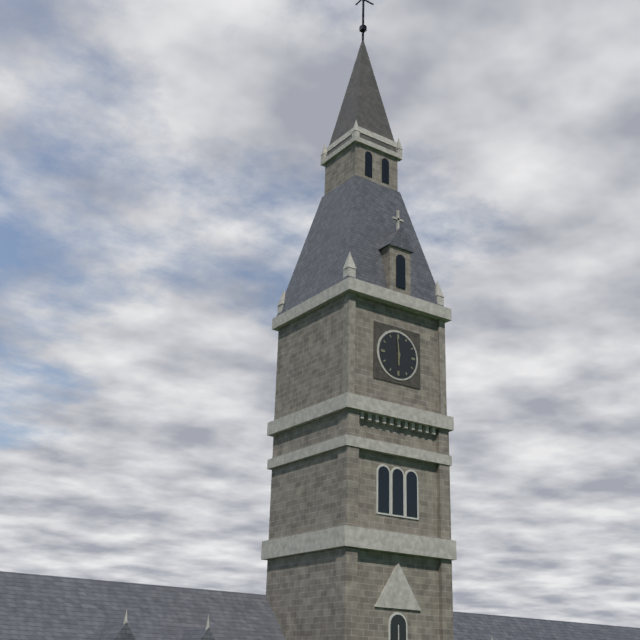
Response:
5.59
